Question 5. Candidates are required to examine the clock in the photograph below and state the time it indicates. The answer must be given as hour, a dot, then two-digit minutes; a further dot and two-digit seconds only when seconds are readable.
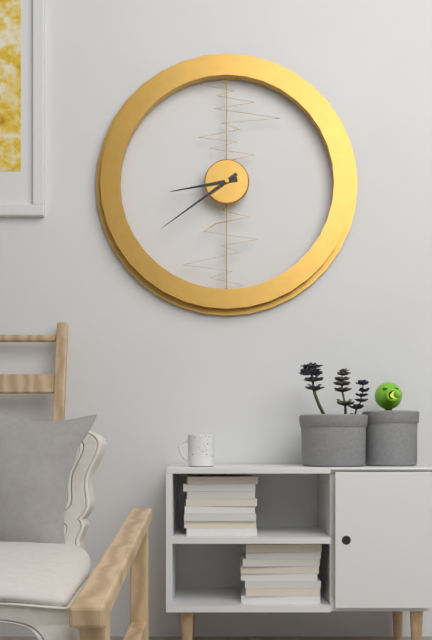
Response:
8.39
